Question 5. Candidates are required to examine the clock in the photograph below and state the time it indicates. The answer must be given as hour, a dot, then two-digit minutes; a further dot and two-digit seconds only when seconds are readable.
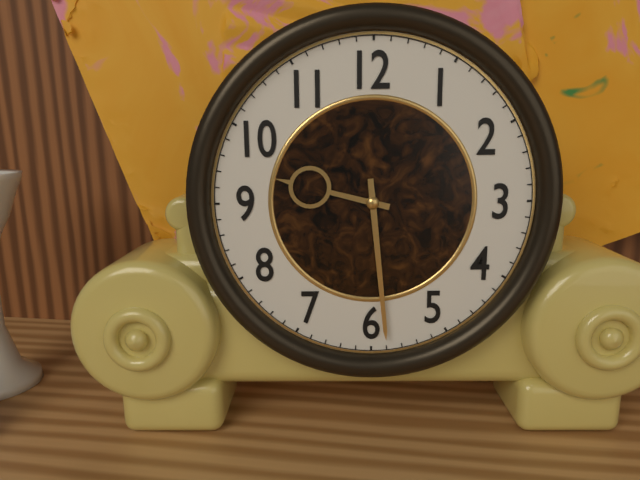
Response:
9.29
